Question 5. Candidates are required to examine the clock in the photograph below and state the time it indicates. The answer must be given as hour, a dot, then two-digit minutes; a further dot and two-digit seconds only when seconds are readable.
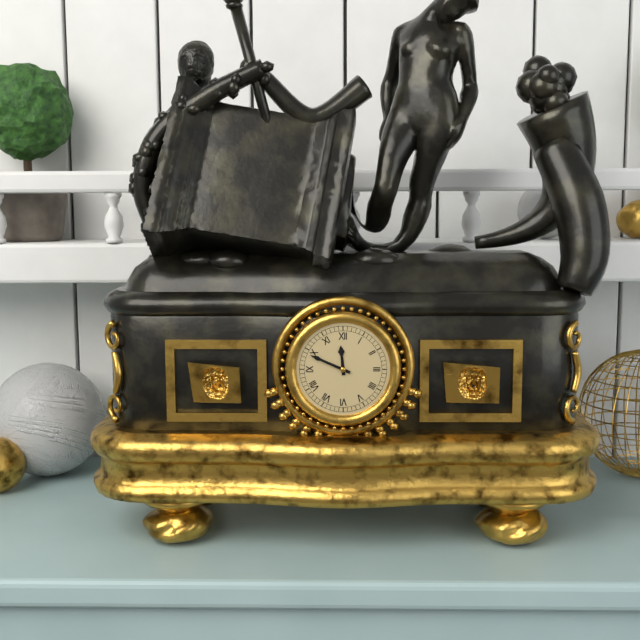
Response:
11.49
